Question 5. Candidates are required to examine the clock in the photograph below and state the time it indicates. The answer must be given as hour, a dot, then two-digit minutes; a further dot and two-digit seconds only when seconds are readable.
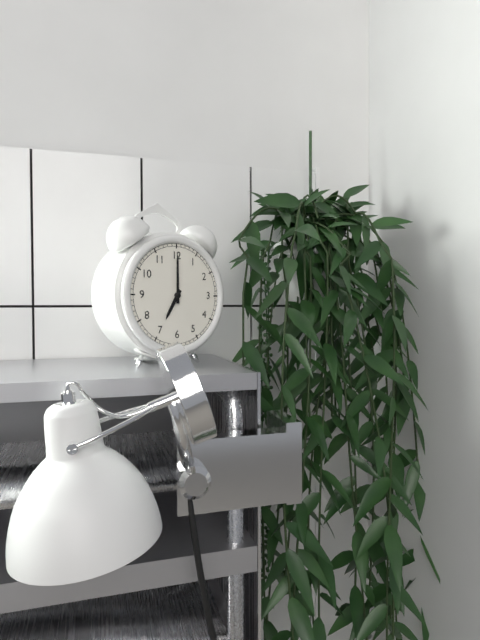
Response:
7.00
